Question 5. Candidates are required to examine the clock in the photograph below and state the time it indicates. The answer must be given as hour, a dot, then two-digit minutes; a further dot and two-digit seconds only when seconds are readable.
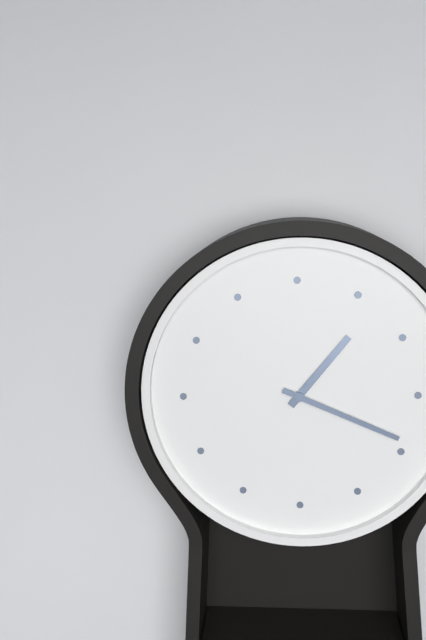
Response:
1.19
